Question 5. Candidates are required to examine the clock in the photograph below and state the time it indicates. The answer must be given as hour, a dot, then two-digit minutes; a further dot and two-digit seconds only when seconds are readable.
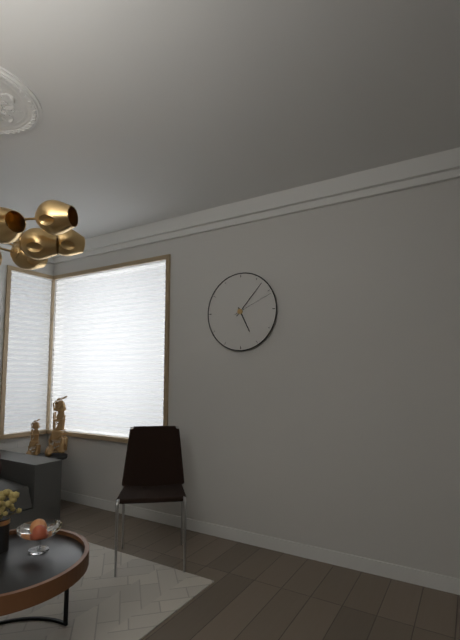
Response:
5.07
